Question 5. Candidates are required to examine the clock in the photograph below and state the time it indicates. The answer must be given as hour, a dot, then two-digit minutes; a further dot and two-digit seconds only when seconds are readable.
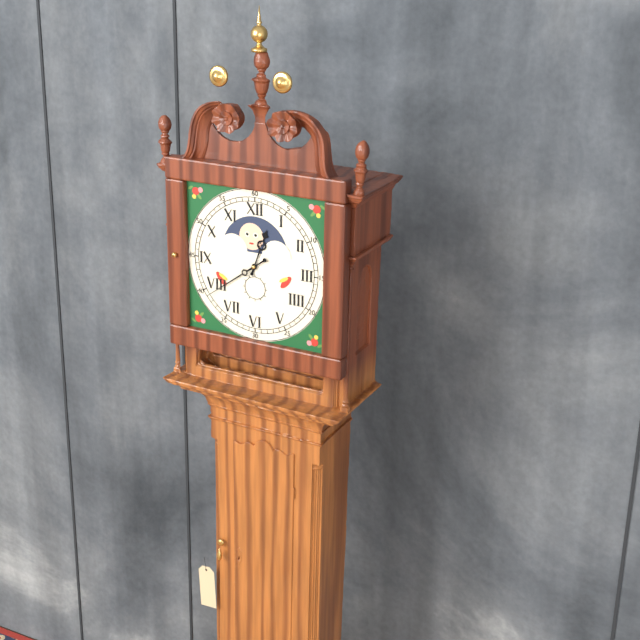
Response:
12.39
